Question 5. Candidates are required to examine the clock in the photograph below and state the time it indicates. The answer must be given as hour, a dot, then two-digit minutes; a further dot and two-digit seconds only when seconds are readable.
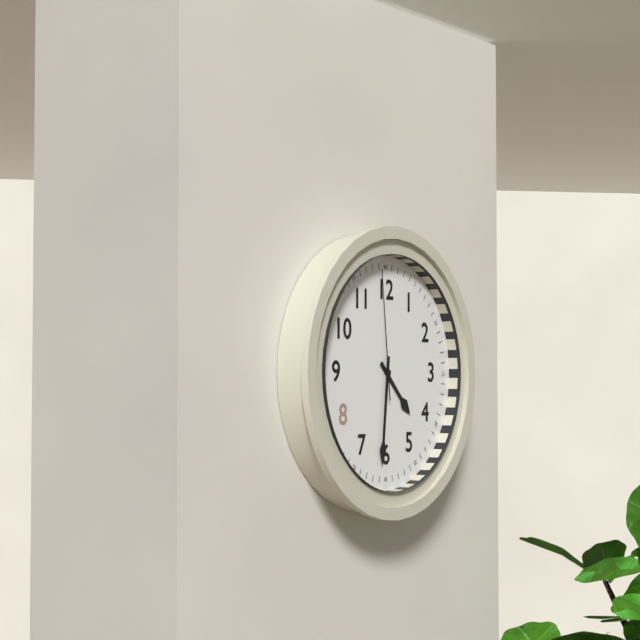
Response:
4.31.59
